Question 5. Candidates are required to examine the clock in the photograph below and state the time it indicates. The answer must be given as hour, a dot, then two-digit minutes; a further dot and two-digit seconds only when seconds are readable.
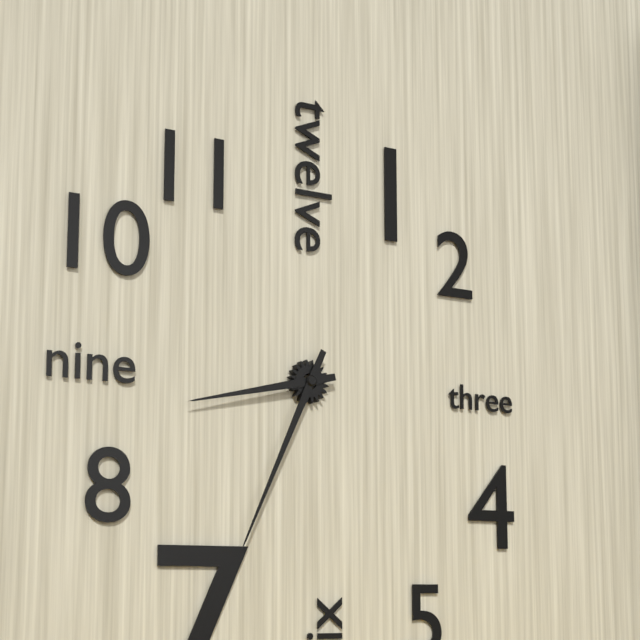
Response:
8.34
